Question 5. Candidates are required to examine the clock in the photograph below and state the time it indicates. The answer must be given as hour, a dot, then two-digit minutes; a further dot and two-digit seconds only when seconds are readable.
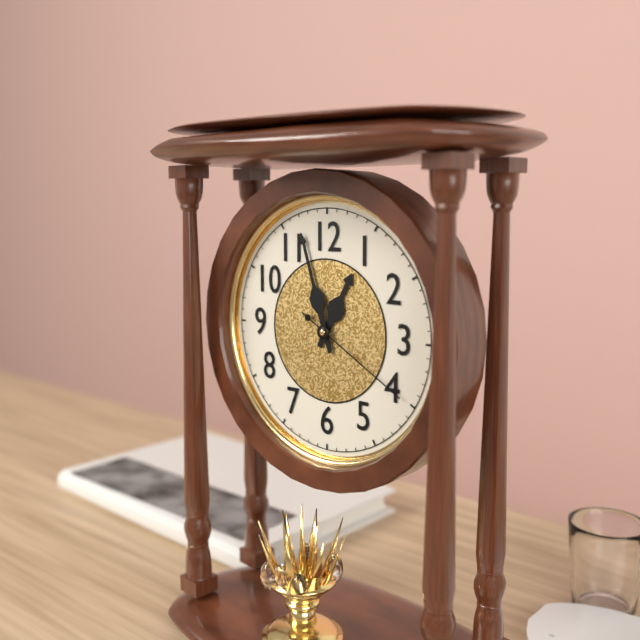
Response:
12.57.20
